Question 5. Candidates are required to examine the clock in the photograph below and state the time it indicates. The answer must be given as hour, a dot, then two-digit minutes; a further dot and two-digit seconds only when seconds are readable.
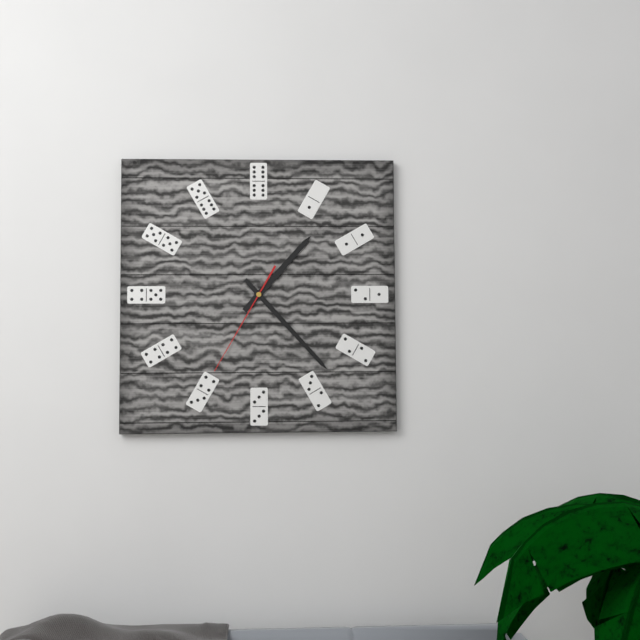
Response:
1.23.35
